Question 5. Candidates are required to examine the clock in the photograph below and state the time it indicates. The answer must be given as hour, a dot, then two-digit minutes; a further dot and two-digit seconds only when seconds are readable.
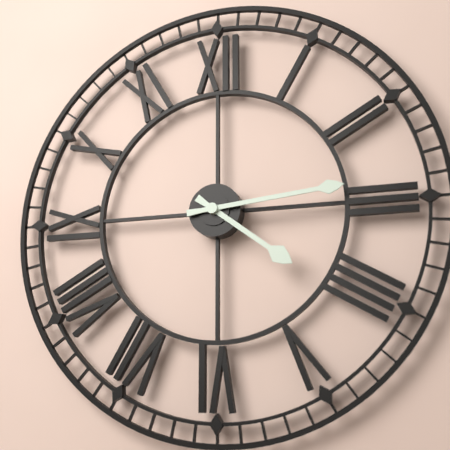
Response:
4.14
